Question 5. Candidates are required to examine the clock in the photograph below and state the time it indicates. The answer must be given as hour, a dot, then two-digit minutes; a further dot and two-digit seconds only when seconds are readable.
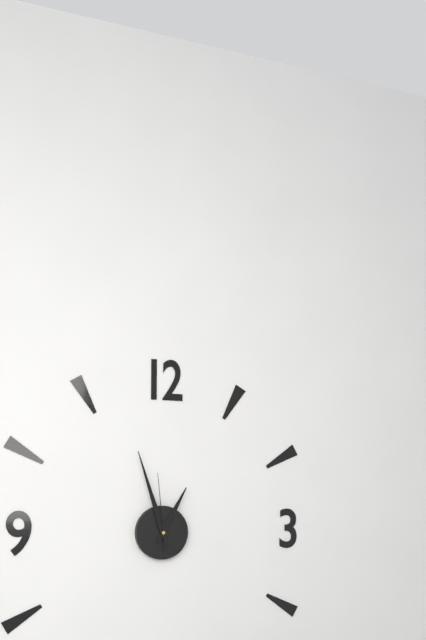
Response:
12.57.59
